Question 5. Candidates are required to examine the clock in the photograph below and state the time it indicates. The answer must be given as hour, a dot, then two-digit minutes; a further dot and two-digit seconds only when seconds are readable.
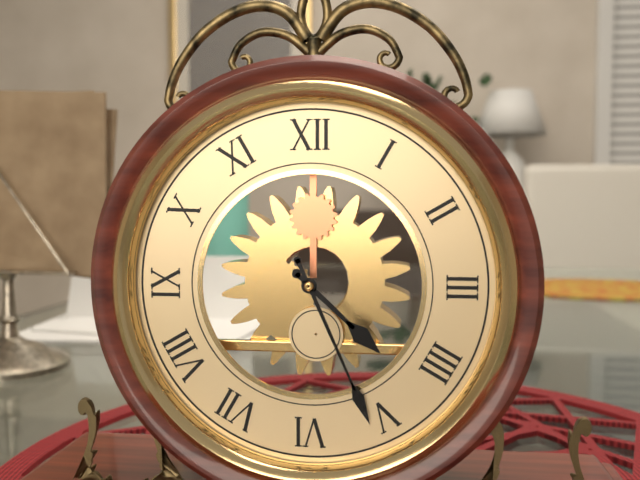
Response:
4.26
